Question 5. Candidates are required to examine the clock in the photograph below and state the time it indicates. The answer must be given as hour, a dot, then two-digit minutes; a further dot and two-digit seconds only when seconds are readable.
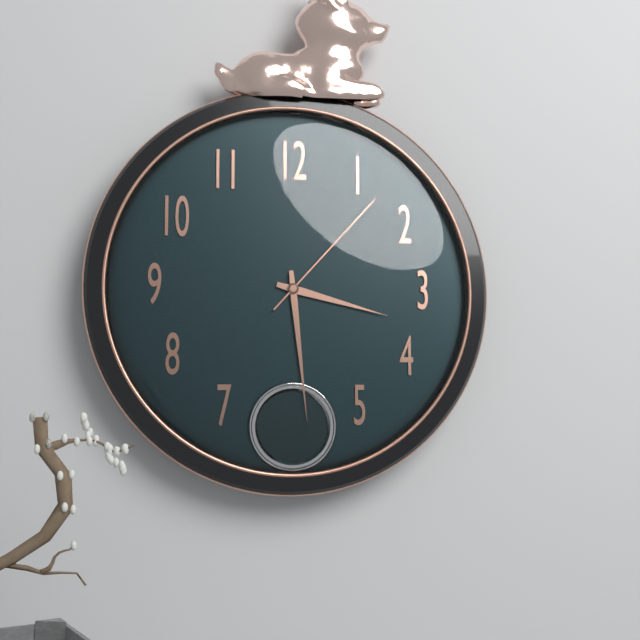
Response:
3.29.07
